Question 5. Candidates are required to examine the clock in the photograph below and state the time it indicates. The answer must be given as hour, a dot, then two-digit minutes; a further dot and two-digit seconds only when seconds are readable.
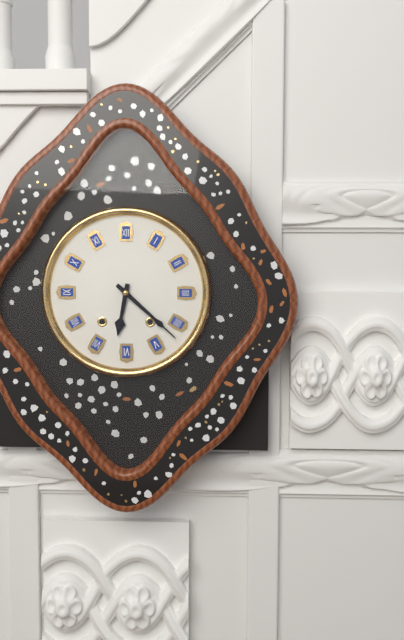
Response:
6.22
